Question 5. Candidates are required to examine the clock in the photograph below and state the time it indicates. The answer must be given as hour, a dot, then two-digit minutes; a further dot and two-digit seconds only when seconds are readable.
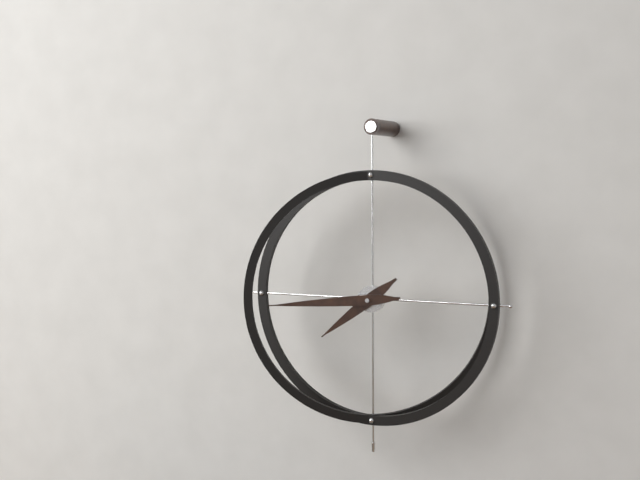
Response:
7.44
